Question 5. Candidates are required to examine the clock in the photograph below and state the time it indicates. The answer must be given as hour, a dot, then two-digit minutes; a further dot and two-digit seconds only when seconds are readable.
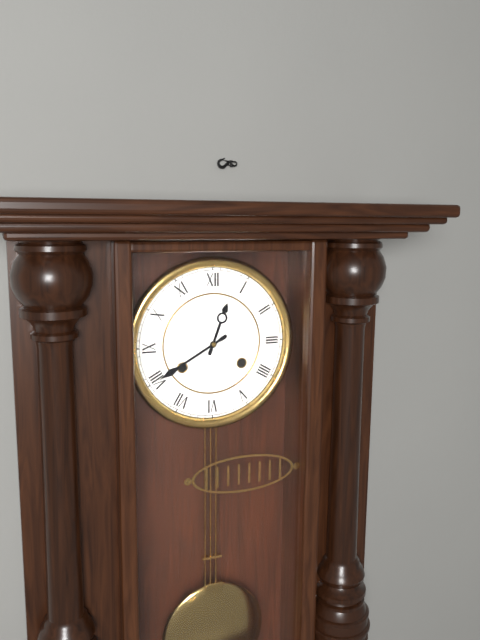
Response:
12.40
